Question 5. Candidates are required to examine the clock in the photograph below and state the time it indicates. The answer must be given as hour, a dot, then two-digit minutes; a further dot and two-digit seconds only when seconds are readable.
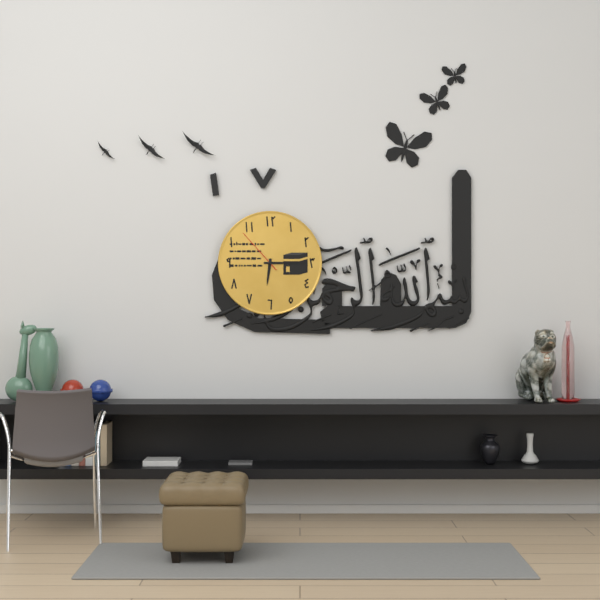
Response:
6.15.53
